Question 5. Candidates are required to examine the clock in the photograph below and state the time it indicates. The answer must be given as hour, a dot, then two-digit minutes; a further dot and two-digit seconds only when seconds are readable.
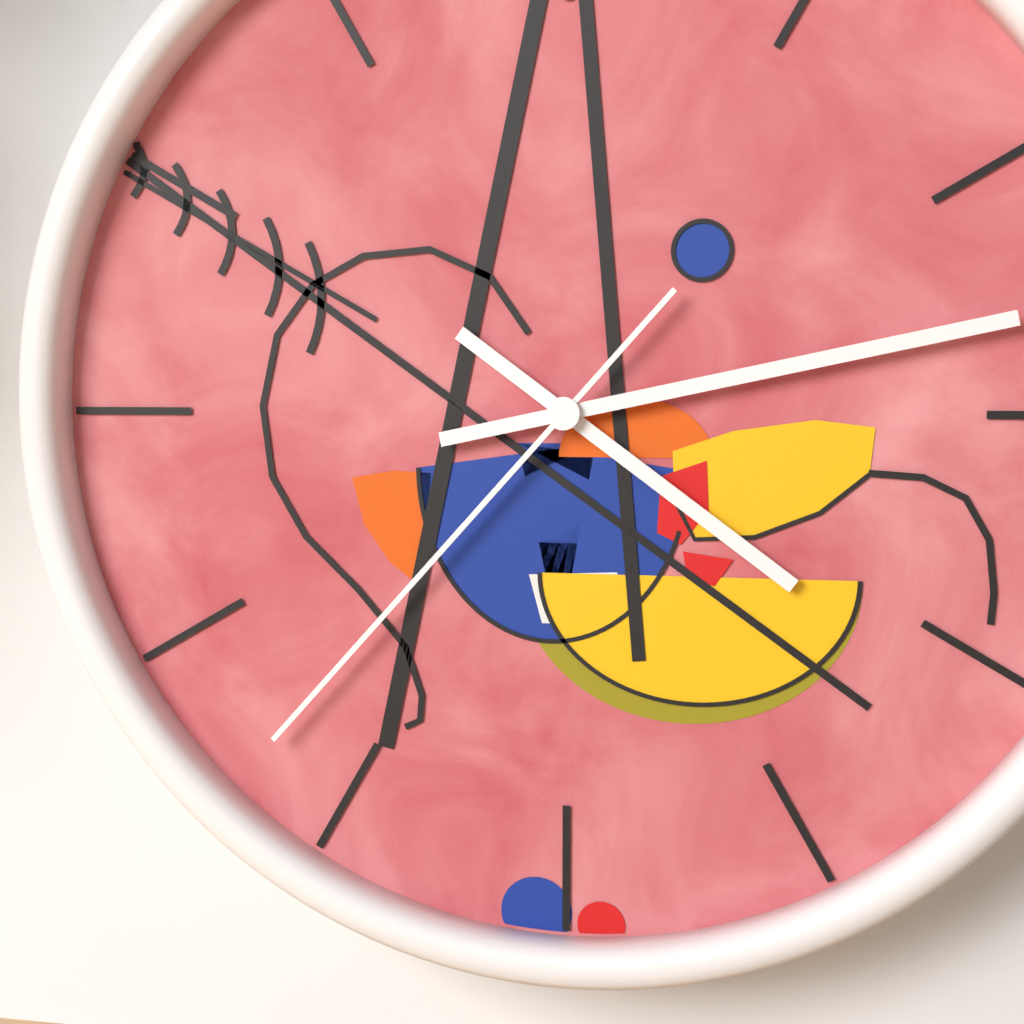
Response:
4.13.37
